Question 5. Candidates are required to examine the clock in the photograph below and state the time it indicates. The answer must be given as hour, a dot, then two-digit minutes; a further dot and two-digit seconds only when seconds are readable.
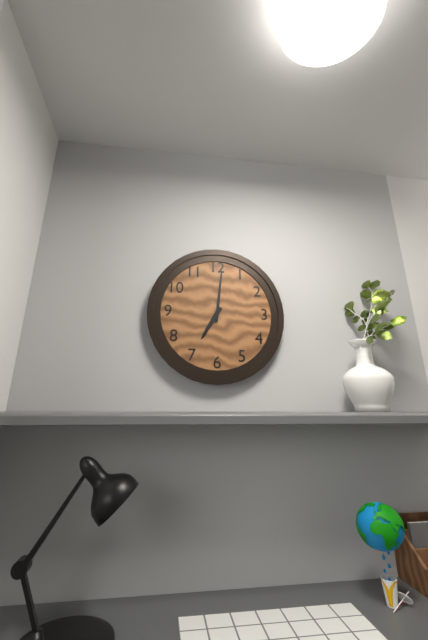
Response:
7.01
